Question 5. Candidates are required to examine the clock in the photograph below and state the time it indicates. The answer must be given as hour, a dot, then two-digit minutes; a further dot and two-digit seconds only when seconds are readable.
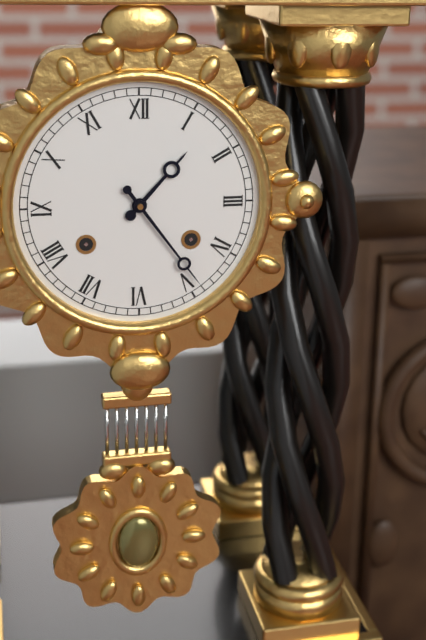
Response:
1.24
